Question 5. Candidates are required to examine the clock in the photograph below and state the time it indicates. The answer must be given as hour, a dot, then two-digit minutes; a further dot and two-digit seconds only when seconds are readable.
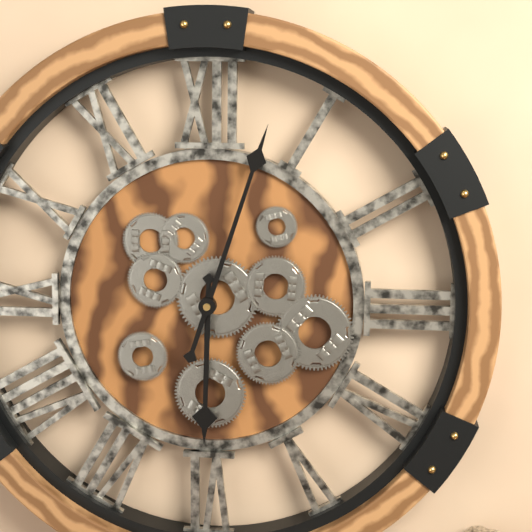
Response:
6.03
